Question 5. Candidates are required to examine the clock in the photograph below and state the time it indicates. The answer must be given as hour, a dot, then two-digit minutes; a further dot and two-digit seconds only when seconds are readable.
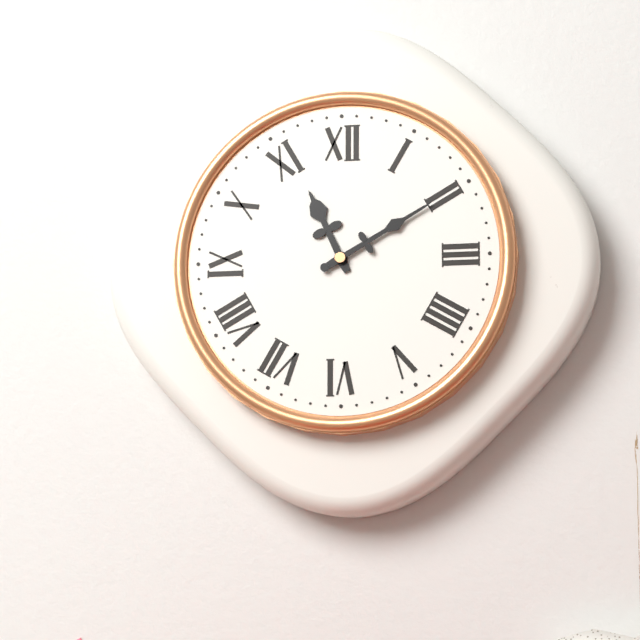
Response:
11.10
